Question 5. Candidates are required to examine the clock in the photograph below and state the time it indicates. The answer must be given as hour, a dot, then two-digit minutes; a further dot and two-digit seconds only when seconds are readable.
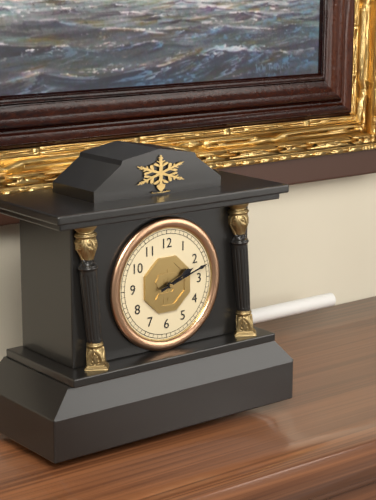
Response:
2.12
